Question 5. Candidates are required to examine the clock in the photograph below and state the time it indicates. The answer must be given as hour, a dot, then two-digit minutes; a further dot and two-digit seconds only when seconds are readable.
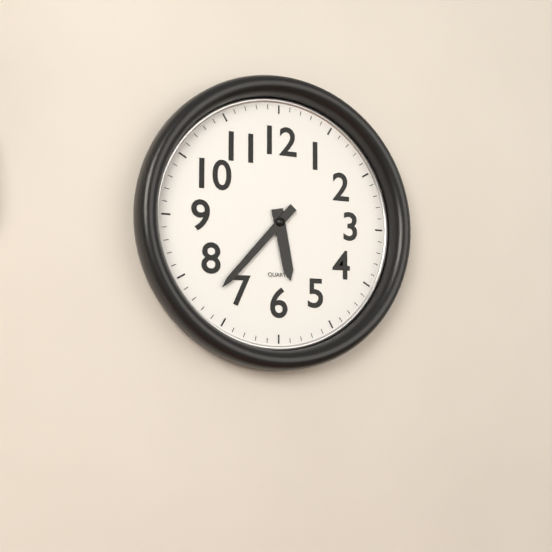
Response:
5.37
